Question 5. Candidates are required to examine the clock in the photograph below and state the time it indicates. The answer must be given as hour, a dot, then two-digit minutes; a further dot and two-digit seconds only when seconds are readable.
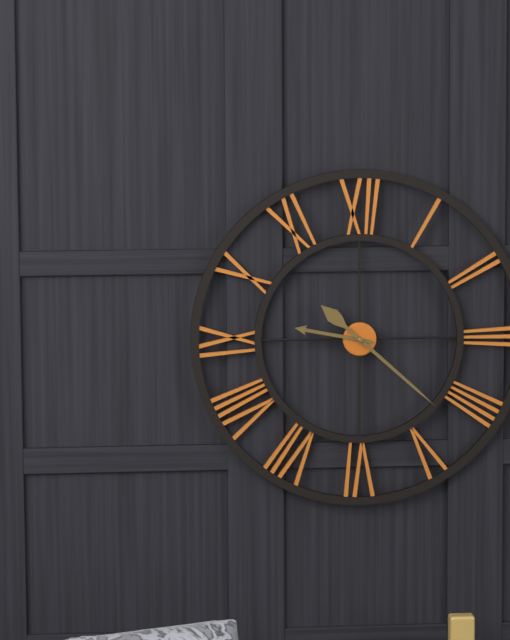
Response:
9.22
